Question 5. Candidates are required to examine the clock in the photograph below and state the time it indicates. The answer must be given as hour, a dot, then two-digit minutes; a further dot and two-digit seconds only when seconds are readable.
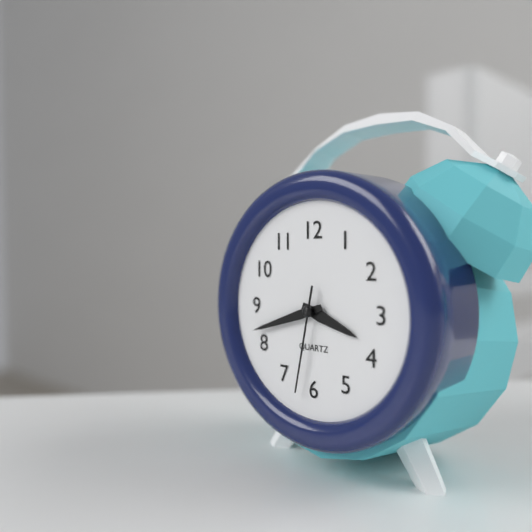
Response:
3.42.32
